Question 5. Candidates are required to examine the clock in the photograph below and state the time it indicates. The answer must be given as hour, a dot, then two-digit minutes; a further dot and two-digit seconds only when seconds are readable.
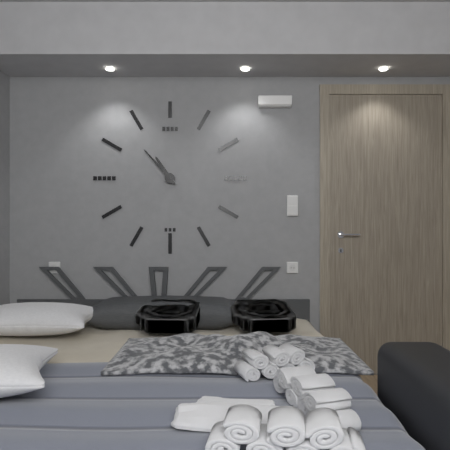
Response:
10.53
